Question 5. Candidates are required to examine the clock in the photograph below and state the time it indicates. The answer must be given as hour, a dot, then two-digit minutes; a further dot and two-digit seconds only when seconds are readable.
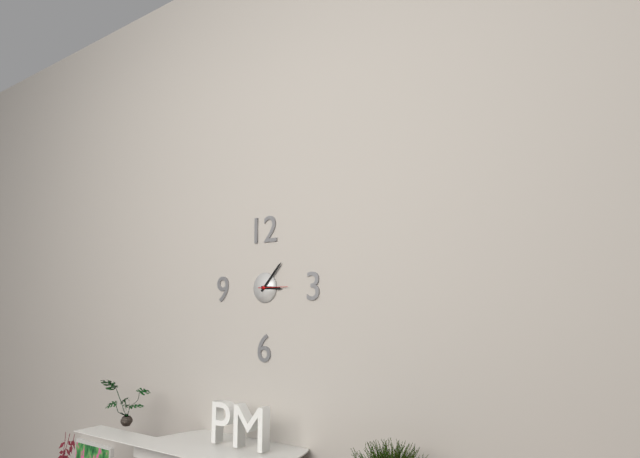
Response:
3.07
